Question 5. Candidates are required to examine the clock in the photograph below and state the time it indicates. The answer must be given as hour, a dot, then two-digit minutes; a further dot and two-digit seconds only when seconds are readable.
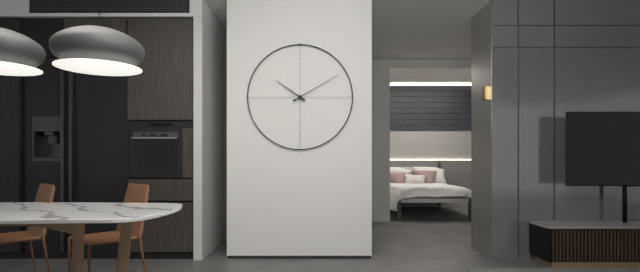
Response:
10.10
